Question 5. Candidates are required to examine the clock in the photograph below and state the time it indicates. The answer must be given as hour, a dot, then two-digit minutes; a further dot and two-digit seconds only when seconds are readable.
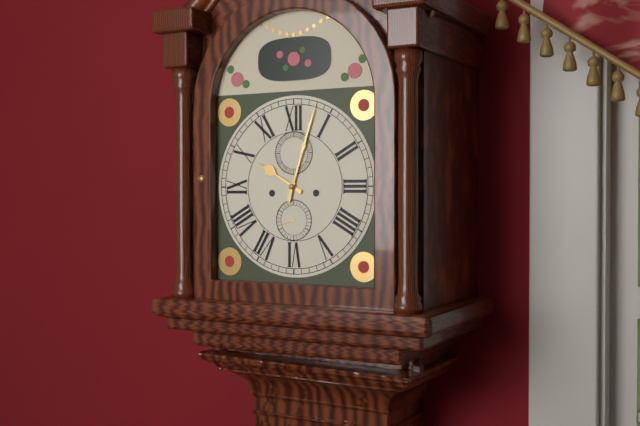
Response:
10.03
